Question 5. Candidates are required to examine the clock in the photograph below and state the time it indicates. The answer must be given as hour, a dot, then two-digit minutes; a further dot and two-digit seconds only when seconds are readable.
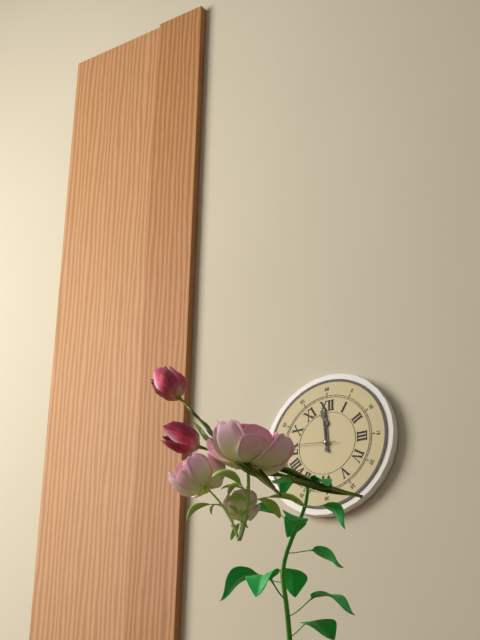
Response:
11.59.46
